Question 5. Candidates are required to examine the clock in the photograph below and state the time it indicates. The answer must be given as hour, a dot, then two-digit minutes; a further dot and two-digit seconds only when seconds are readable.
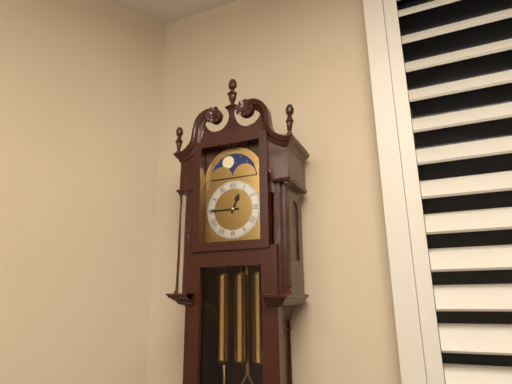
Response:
12.45
